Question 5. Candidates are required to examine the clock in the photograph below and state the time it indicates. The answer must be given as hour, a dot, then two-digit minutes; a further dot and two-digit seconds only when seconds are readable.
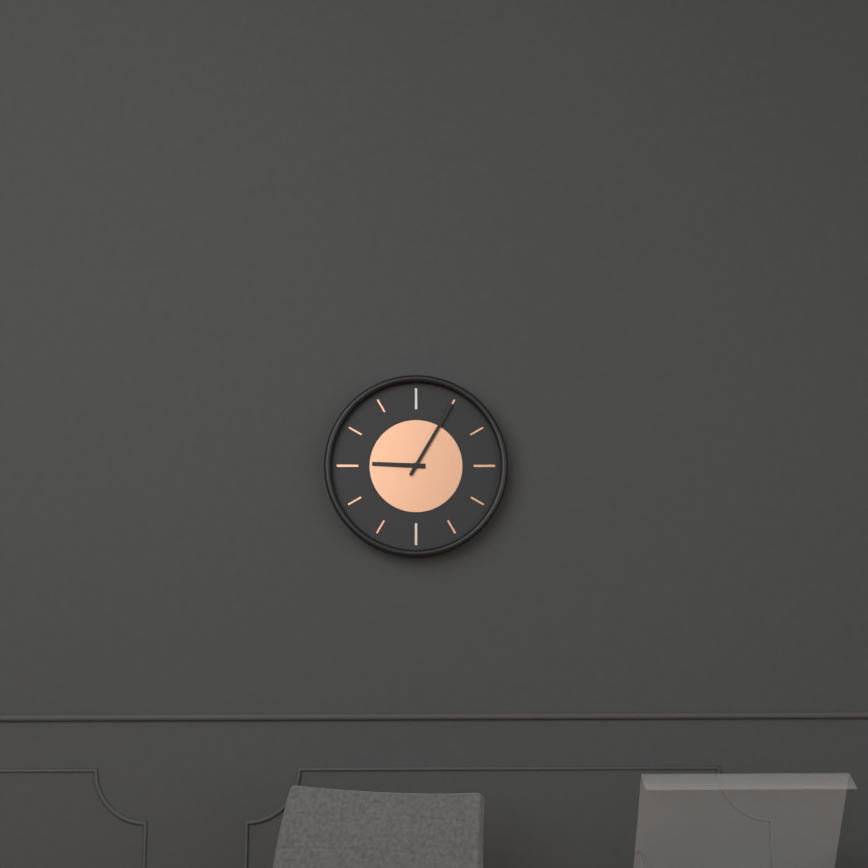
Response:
9.05
